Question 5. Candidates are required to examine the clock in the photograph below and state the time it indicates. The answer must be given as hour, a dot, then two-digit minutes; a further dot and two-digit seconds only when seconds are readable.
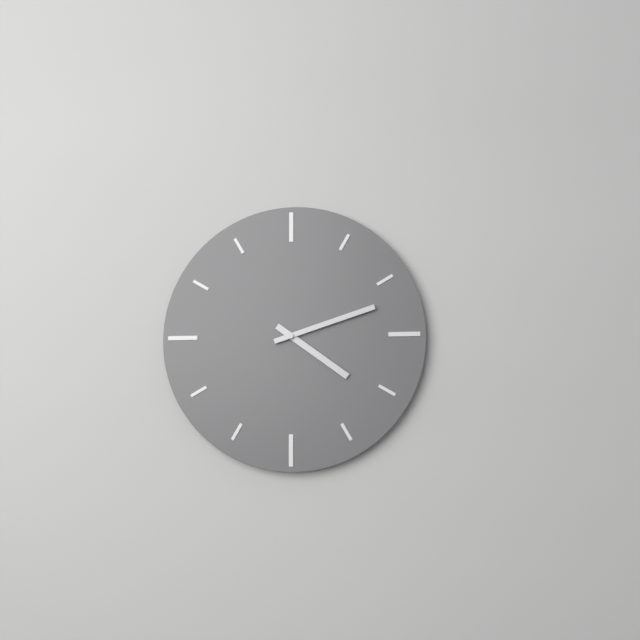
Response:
4.12
